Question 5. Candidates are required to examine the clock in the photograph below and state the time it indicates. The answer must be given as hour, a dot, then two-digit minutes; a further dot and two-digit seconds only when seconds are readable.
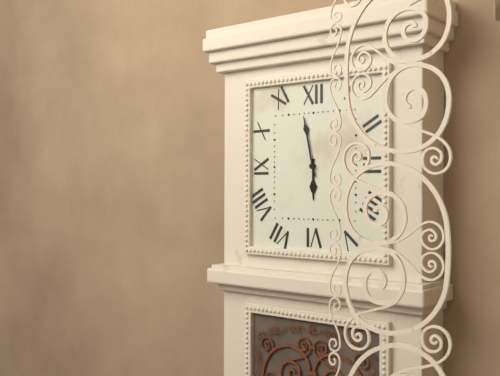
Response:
5.58
